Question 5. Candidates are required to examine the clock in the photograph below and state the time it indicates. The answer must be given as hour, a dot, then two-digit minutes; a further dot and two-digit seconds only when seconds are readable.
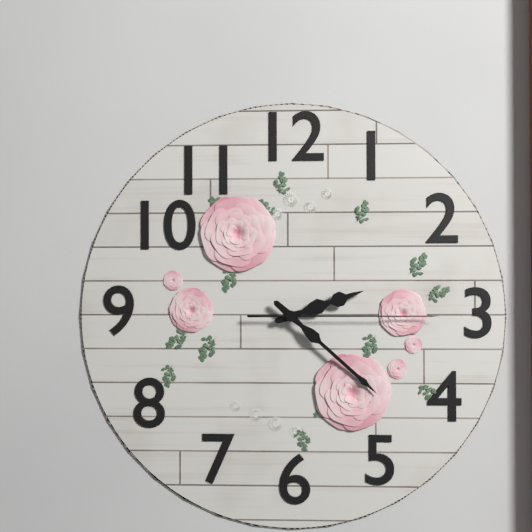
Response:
2.22.15
